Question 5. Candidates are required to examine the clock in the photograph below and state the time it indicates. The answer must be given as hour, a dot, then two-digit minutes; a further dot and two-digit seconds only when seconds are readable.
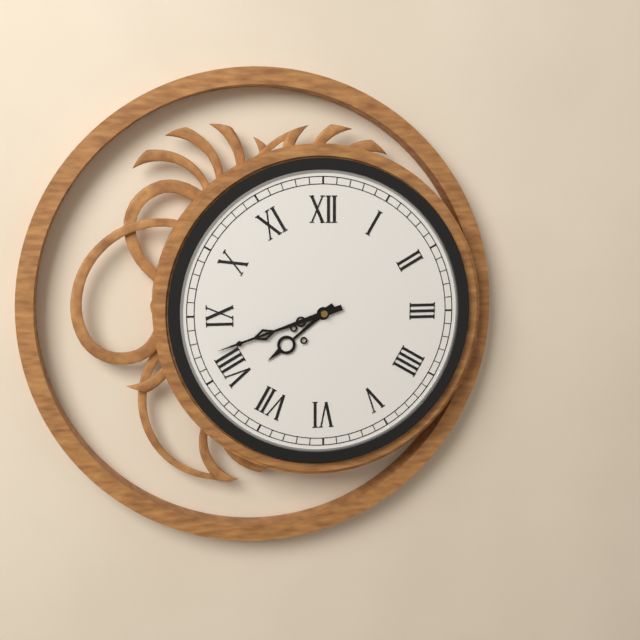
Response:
7.42
